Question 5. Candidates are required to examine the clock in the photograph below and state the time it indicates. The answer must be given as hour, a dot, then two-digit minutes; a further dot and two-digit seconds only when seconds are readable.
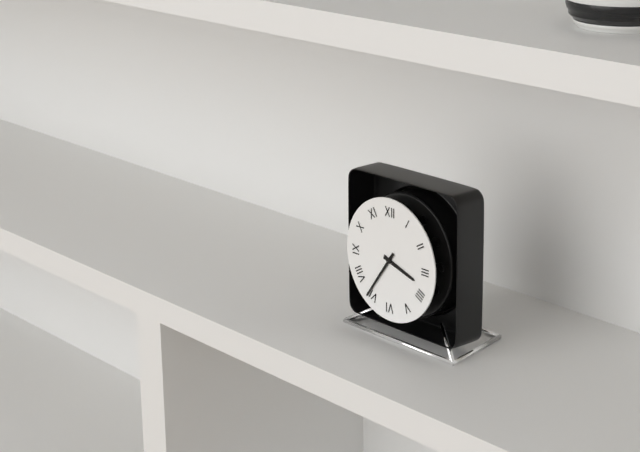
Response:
3.36
